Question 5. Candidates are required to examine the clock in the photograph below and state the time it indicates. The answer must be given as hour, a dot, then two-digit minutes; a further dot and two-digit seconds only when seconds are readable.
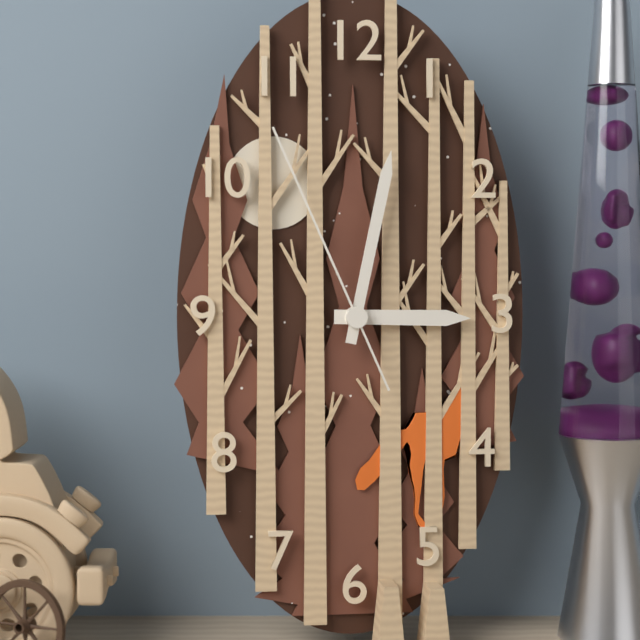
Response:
3.02.56
